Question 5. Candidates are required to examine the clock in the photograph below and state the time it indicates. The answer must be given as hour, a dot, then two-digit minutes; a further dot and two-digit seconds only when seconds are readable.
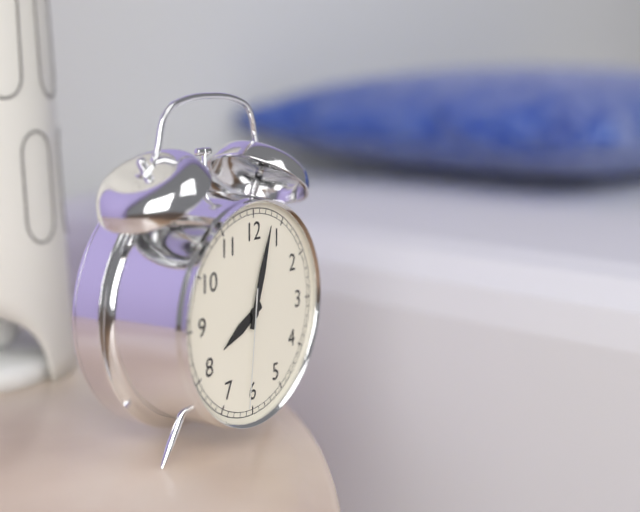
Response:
8.03.31
